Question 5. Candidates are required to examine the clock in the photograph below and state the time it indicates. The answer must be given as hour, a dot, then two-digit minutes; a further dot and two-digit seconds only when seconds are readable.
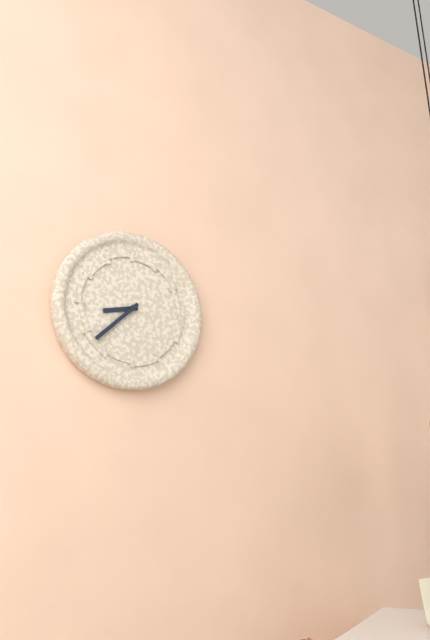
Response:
8.38
